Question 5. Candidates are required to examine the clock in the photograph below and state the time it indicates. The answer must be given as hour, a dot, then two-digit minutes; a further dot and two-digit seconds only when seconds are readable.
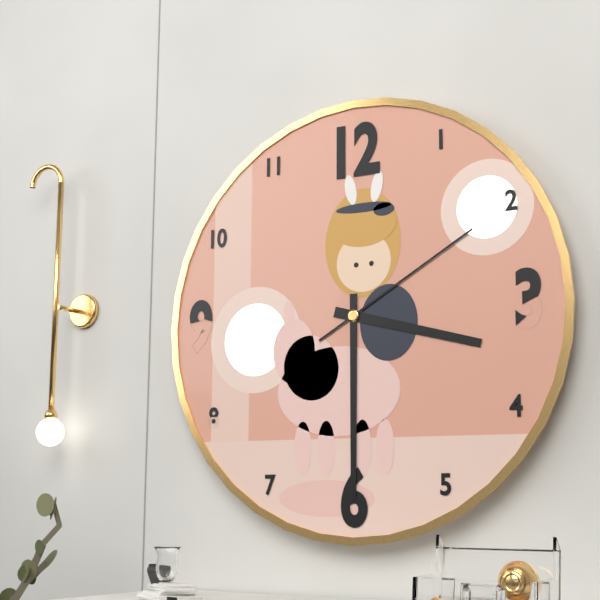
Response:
3.30.10
